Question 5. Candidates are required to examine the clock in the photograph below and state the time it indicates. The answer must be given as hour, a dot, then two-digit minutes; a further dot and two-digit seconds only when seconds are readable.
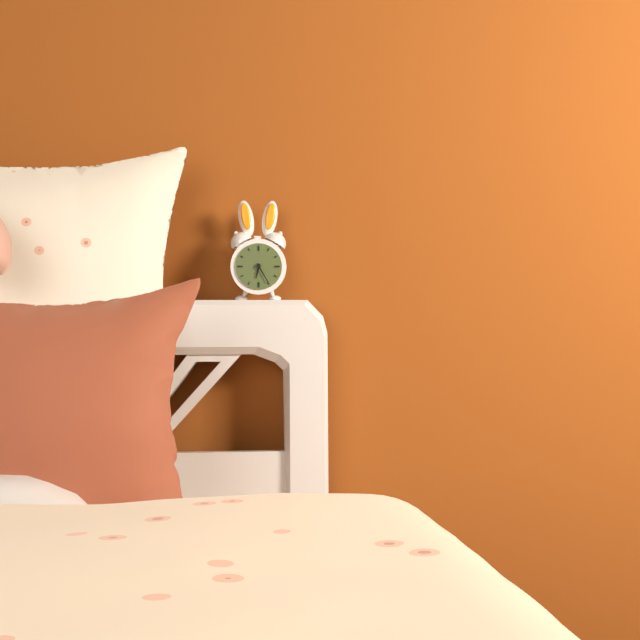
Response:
6.25
